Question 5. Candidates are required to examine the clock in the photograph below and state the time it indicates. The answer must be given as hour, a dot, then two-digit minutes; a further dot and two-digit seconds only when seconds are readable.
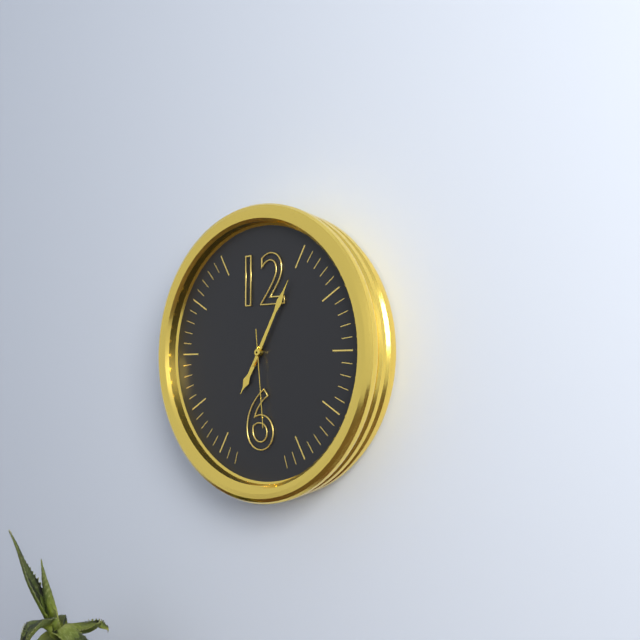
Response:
7.05.29
